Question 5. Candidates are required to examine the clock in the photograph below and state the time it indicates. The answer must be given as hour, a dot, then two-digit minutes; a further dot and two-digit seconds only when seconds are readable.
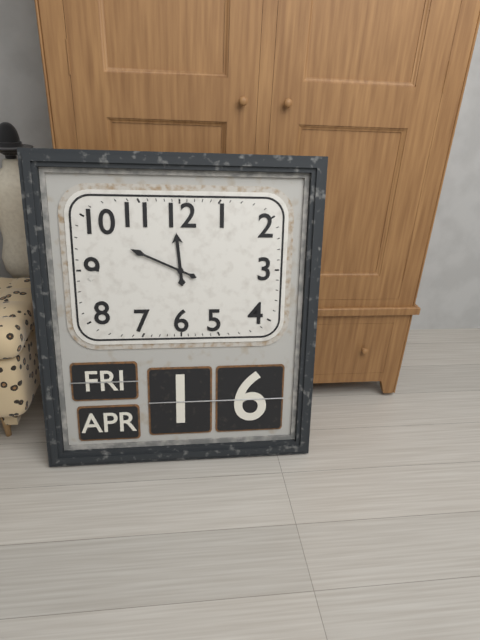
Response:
11.49
